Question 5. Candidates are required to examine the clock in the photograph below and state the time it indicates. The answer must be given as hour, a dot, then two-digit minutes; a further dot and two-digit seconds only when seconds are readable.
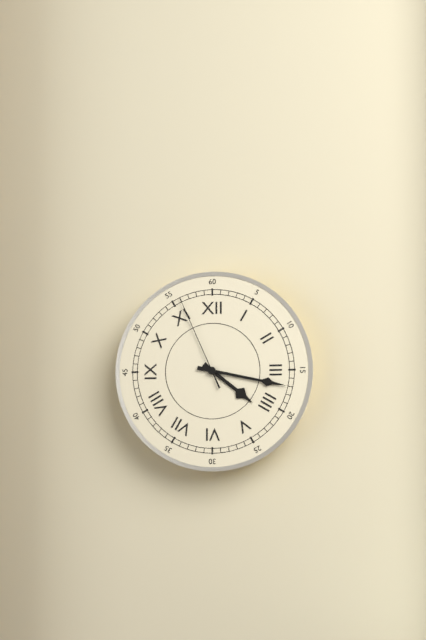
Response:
4.17.56
